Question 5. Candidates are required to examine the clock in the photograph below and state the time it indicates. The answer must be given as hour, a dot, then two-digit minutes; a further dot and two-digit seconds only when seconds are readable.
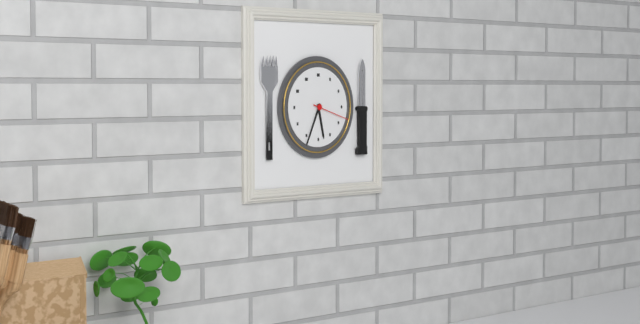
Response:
5.34
